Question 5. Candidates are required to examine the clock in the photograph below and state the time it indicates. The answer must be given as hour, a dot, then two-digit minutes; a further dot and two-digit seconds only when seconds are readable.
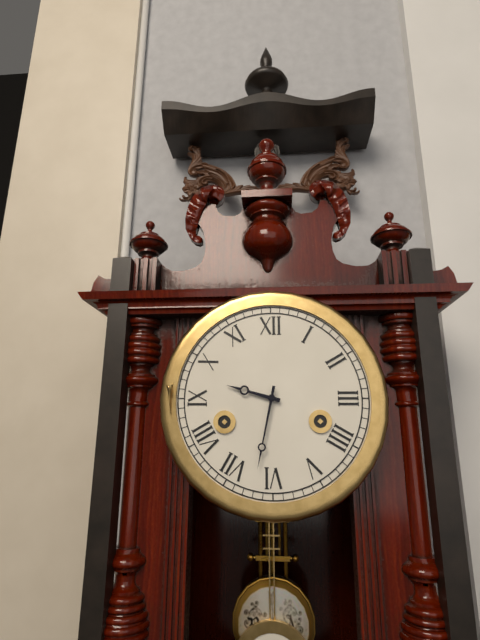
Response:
9.32
